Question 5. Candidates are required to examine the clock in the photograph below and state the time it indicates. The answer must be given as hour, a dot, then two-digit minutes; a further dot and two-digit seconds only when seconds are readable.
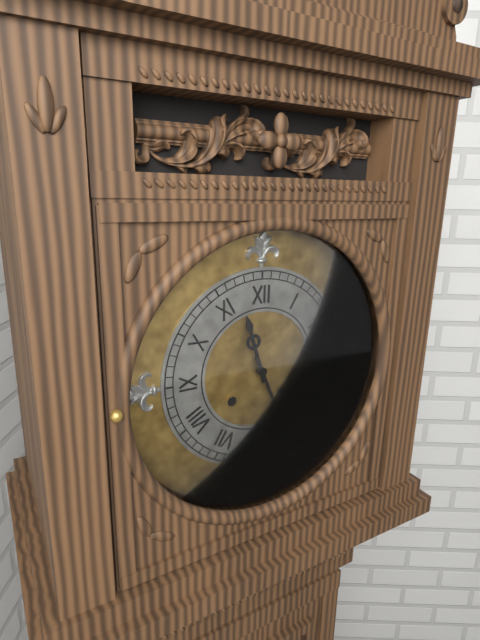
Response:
11.26
